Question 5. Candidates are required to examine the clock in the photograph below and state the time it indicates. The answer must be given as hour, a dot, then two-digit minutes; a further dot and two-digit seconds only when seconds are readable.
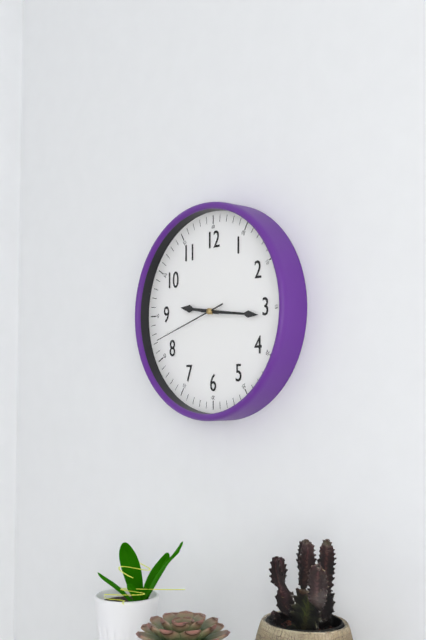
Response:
9.16.42
